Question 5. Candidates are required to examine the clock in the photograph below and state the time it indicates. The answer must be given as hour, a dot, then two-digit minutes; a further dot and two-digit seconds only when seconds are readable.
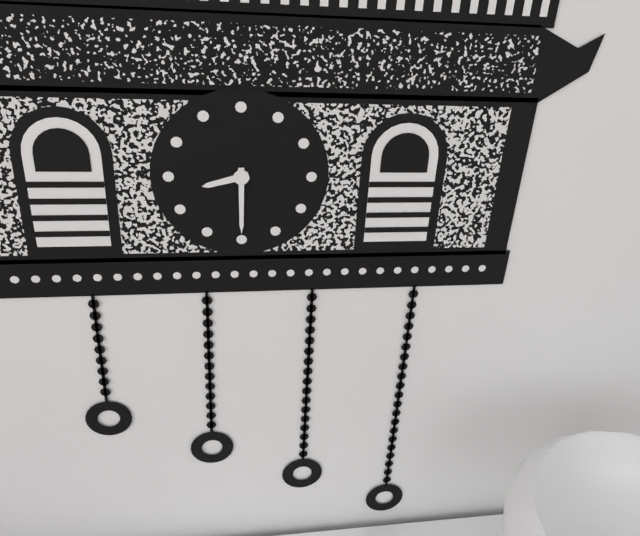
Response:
8.30
